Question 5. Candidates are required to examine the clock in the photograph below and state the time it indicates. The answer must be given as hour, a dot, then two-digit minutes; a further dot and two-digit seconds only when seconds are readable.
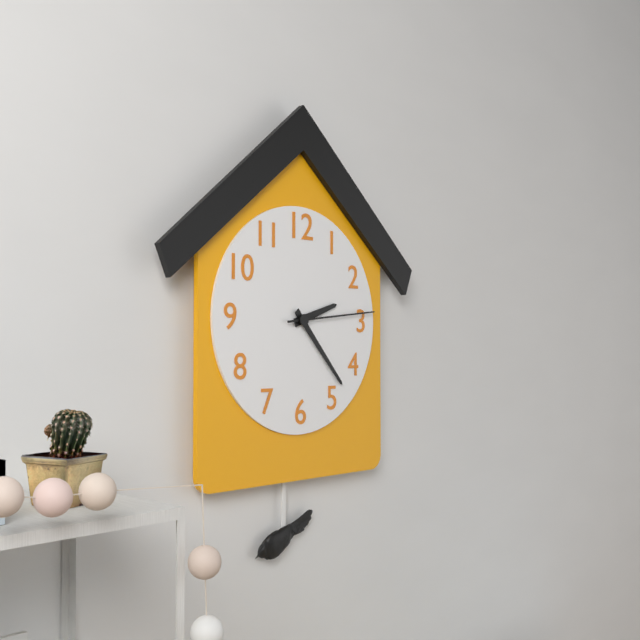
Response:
2.23.14
